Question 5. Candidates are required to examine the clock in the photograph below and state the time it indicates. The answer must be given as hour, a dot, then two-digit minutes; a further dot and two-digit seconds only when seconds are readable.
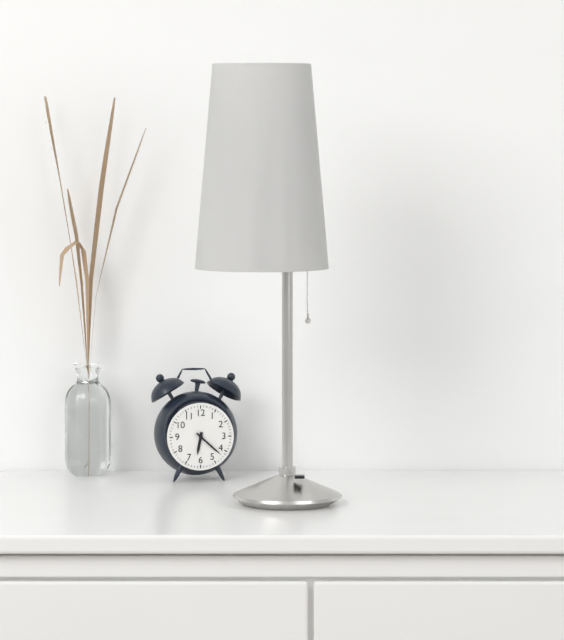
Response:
6.22
